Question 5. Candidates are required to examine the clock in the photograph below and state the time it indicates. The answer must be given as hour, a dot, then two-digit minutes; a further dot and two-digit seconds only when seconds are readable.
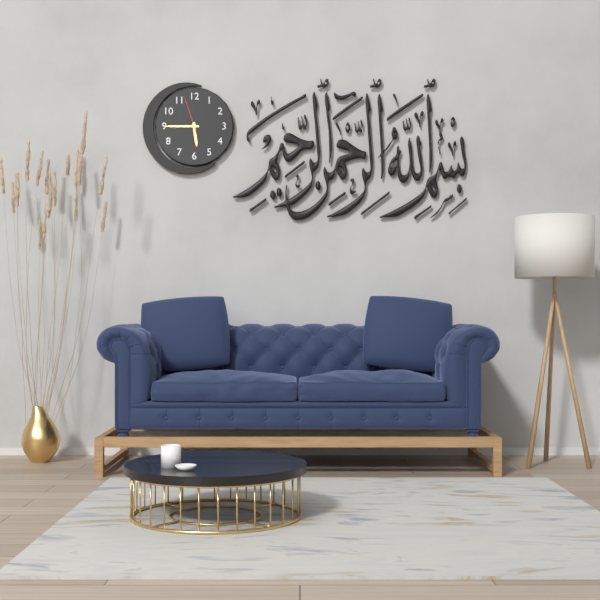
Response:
5.45
